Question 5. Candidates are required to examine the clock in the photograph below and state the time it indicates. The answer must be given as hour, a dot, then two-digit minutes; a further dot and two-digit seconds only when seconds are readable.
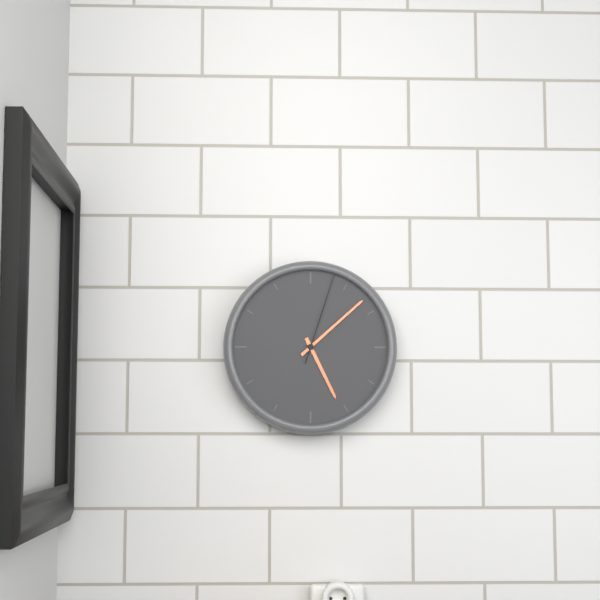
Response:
5.08.03
